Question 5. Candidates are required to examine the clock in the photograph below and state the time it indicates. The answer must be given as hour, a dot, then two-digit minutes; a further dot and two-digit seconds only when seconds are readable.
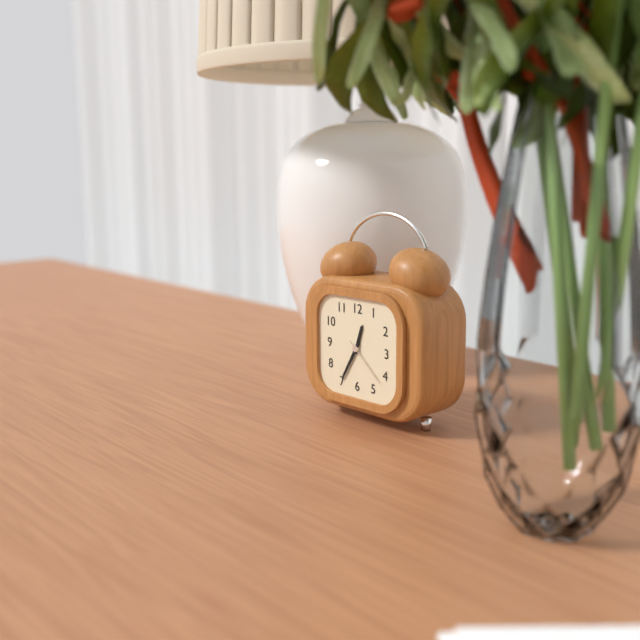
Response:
12.35.22
